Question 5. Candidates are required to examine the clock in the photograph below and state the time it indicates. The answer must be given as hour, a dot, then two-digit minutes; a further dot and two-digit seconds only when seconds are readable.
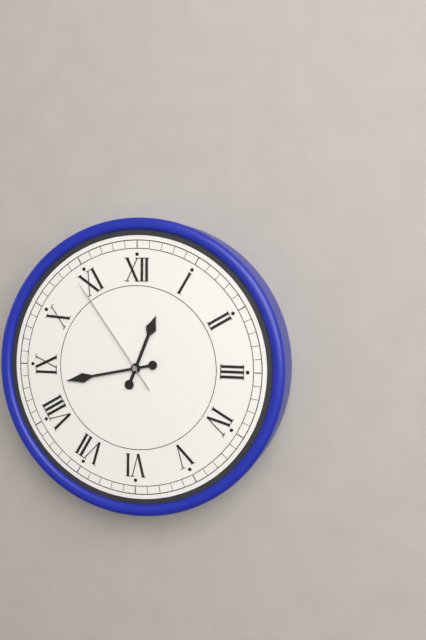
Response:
12.43.54
